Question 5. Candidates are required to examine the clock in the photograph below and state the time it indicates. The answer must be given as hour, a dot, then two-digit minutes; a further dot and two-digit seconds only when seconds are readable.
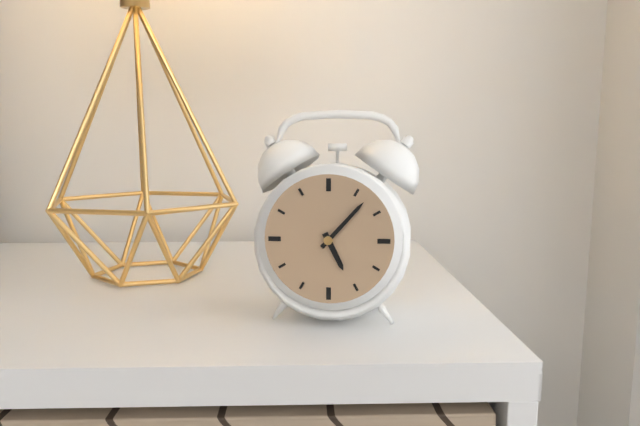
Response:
5.07
